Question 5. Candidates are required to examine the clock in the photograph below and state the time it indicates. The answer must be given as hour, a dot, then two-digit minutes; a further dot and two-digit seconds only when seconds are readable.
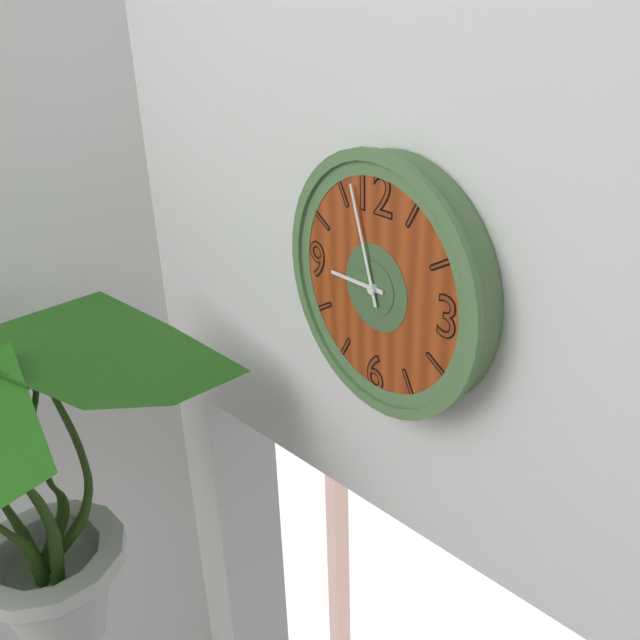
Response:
8.57
